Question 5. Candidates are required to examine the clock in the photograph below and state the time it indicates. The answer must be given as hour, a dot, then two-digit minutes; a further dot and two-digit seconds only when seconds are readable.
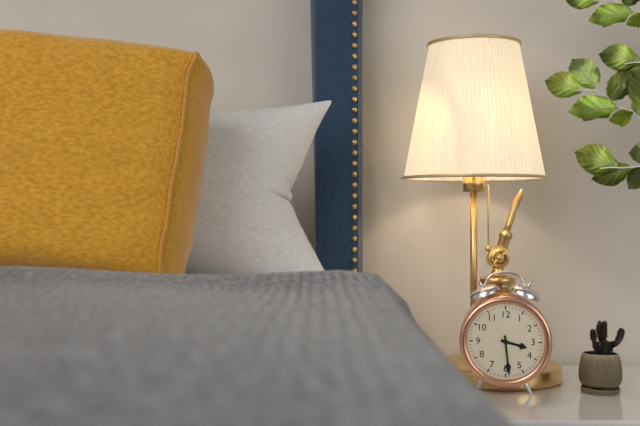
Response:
3.29
